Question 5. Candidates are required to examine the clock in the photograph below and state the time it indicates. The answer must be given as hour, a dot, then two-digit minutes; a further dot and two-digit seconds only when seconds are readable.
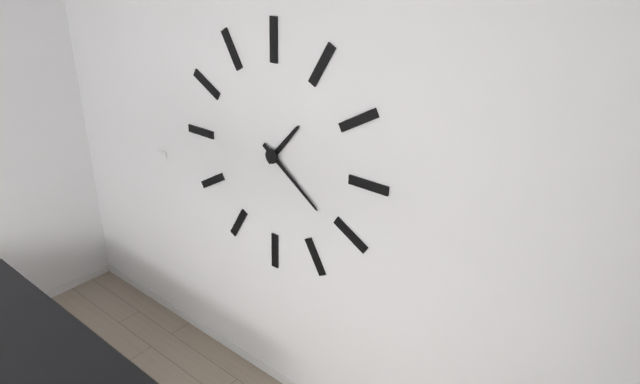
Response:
1.21
